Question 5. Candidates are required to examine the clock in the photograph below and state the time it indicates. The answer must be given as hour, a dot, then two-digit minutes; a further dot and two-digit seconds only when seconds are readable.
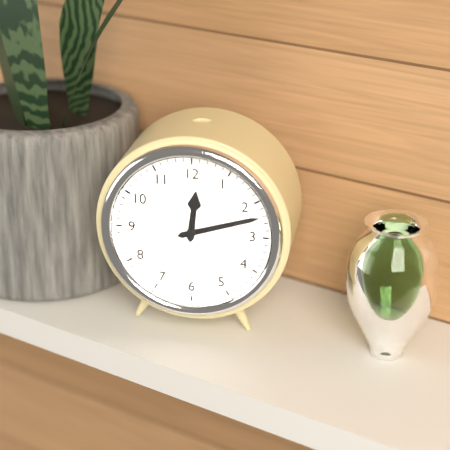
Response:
12.12
